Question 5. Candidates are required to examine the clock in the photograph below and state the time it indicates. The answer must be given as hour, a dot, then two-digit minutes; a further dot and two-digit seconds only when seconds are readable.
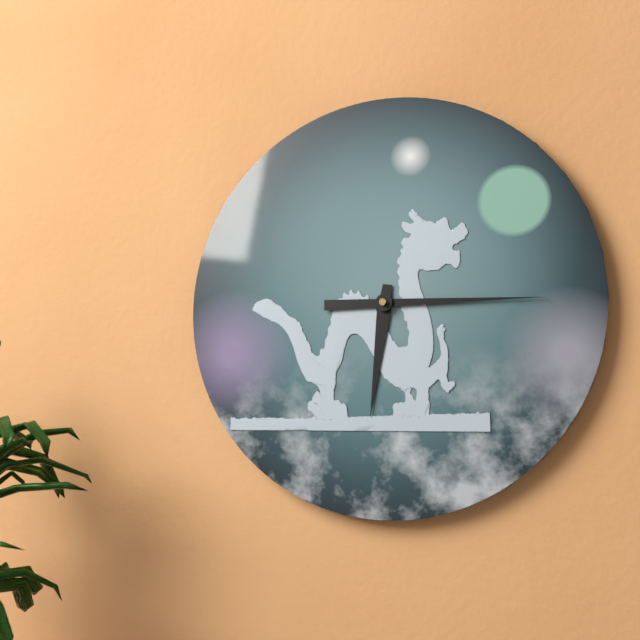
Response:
6.15
